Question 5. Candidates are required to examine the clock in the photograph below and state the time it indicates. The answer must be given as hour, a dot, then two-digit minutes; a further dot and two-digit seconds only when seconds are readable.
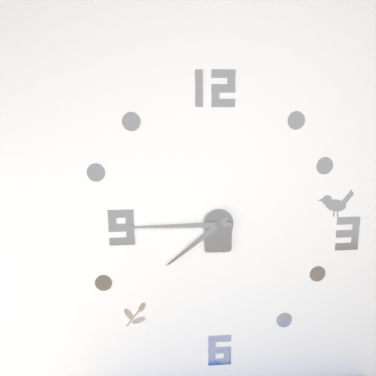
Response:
7.45
